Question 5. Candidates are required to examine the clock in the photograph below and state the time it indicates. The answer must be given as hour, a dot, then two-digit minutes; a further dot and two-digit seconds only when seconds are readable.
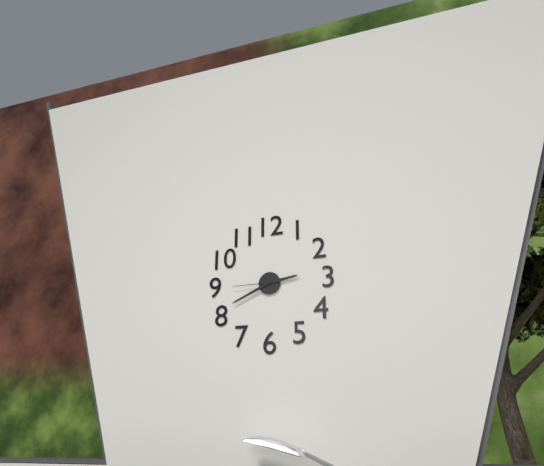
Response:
2.41
